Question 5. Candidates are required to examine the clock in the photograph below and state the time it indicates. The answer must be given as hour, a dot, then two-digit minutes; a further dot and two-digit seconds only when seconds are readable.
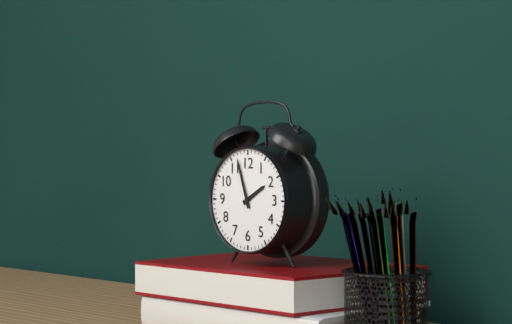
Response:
1.57
